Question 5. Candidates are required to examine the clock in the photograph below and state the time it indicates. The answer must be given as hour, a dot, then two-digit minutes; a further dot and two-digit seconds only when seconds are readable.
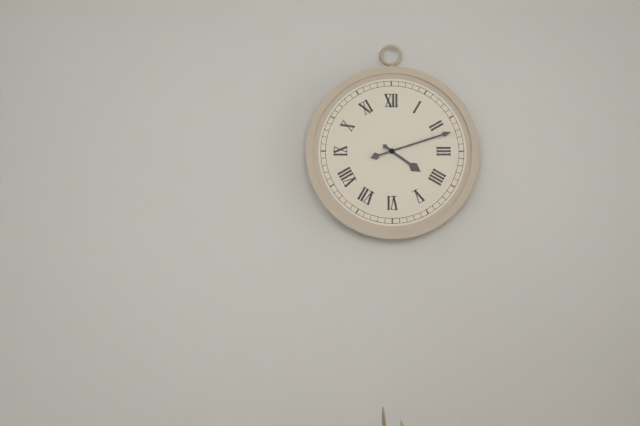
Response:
4.12
